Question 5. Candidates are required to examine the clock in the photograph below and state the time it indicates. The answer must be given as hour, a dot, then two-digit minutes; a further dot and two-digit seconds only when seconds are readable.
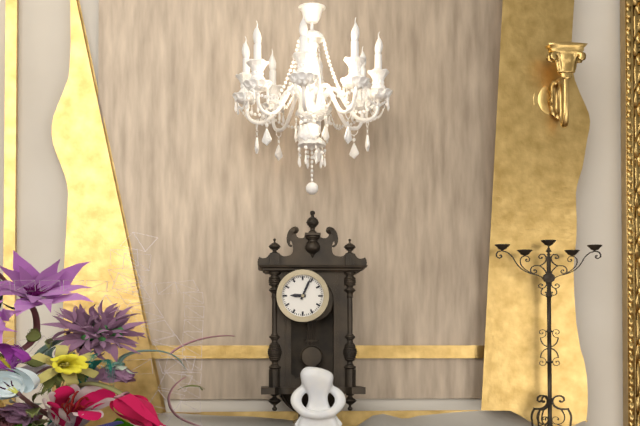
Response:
9.04
